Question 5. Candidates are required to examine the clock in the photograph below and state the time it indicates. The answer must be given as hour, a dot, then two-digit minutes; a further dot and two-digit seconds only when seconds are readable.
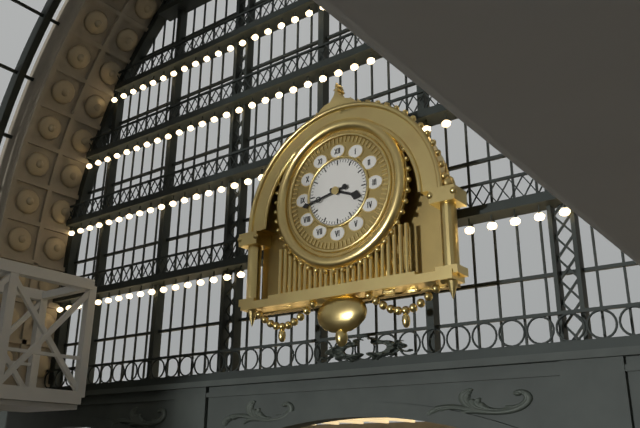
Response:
3.43
